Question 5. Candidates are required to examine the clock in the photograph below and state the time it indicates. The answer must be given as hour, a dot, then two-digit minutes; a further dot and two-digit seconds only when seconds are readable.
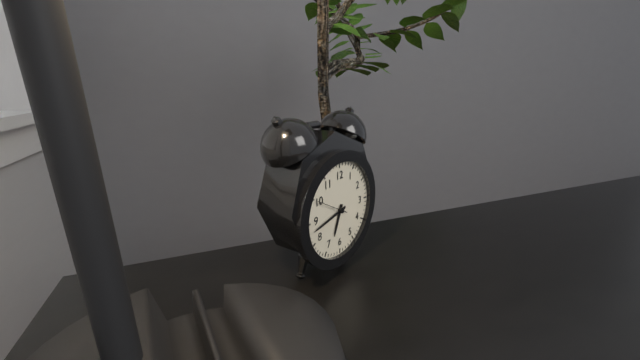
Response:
6.43
